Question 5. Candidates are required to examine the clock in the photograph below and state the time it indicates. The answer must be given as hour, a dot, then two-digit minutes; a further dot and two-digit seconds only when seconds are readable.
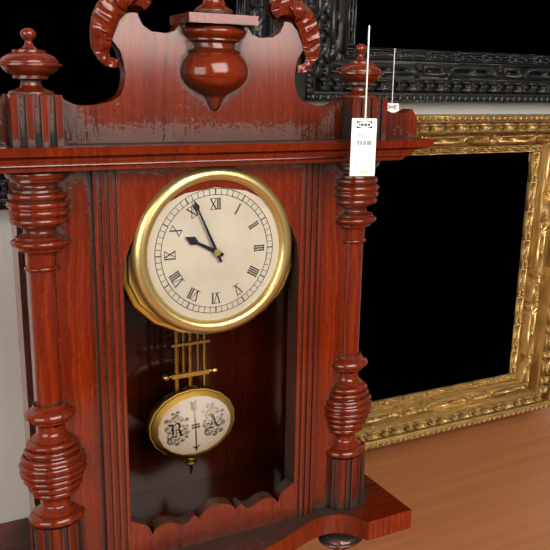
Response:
9.56
